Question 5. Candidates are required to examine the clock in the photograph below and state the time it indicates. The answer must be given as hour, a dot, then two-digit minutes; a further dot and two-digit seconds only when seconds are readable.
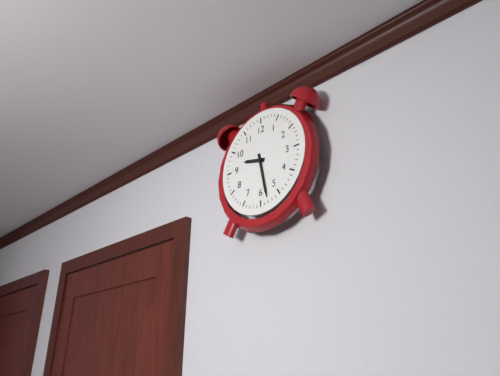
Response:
9.28
